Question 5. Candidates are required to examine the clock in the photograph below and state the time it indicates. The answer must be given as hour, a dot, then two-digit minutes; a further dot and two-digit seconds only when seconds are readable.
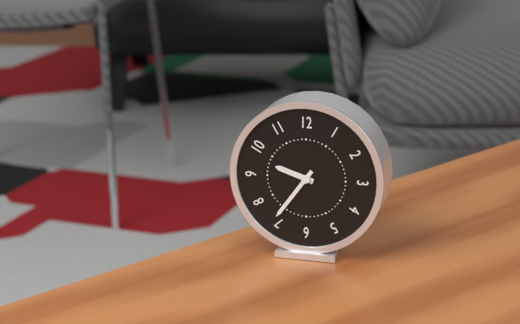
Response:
9.36
